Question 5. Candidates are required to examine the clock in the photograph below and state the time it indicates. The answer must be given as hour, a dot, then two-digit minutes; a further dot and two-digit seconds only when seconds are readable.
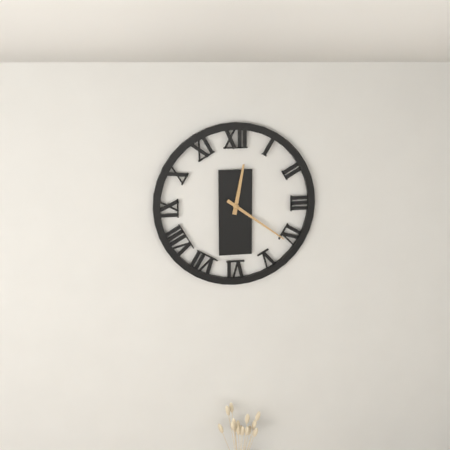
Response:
12.21
